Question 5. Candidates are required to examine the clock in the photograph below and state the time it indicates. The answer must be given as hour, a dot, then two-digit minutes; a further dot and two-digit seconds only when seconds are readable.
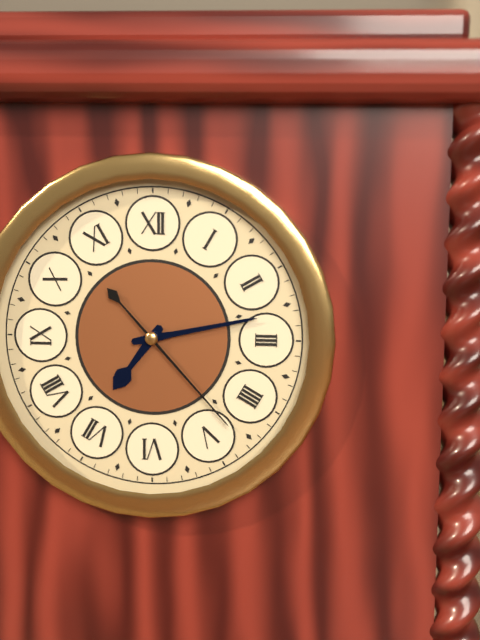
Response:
7.13.23
